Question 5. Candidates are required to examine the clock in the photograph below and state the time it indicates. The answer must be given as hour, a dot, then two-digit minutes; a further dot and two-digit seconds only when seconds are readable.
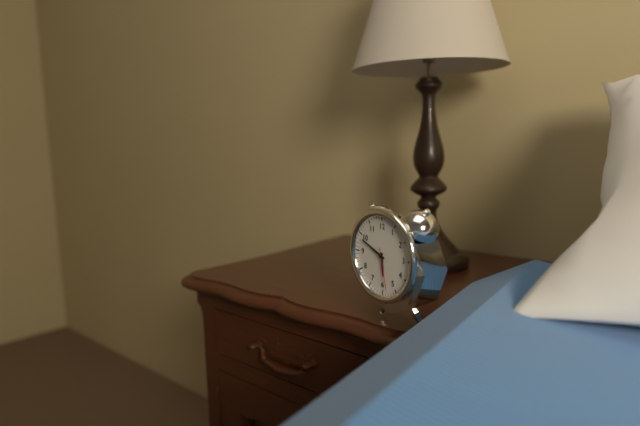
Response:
5.49
